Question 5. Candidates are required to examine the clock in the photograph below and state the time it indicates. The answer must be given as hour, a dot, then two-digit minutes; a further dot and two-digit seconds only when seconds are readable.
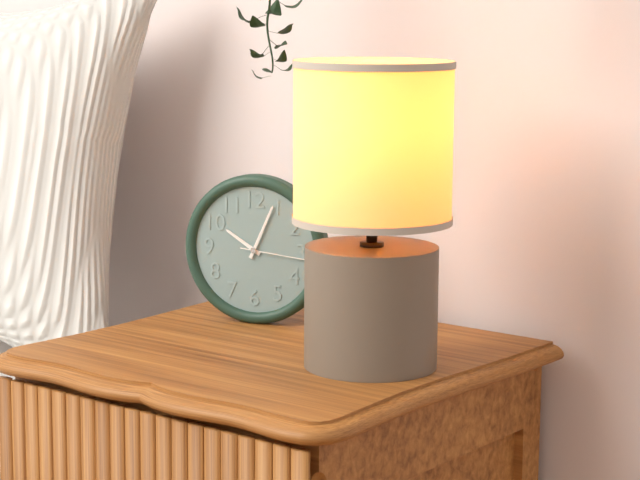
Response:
10.04.16
